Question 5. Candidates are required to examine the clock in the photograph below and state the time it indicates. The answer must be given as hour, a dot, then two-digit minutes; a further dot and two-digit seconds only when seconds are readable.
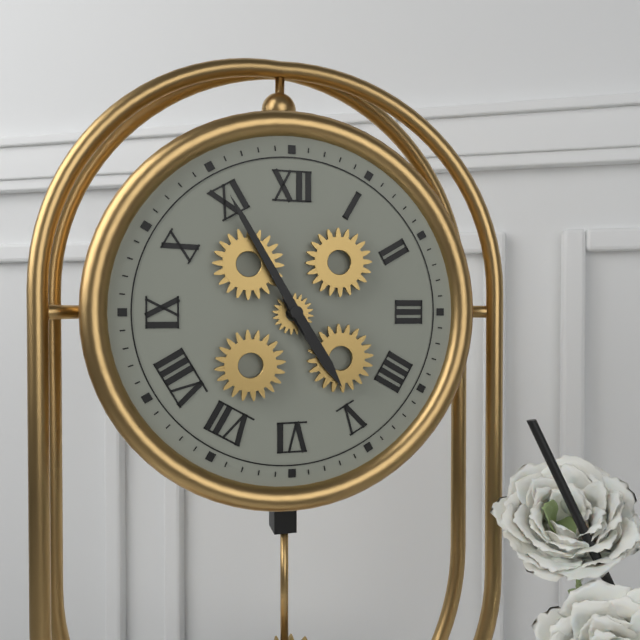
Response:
4.55
